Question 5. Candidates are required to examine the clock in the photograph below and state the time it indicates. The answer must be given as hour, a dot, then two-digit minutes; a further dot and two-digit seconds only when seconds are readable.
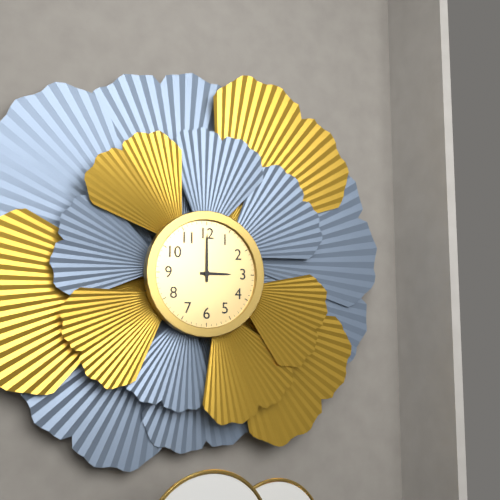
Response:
3.00
